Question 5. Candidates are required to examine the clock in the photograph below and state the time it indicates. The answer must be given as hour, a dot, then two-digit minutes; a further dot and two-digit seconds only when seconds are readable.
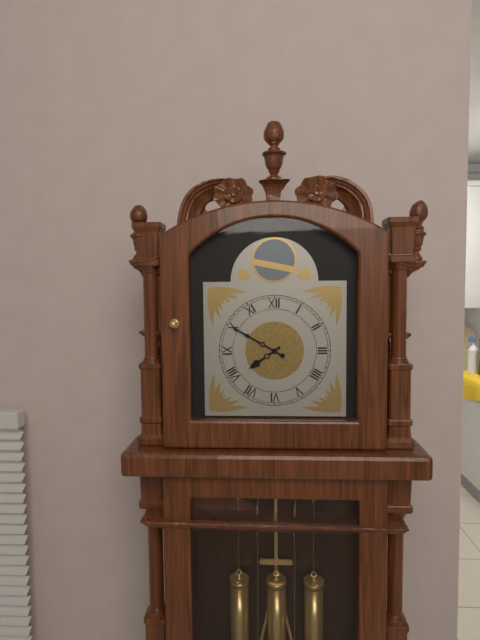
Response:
7.50
